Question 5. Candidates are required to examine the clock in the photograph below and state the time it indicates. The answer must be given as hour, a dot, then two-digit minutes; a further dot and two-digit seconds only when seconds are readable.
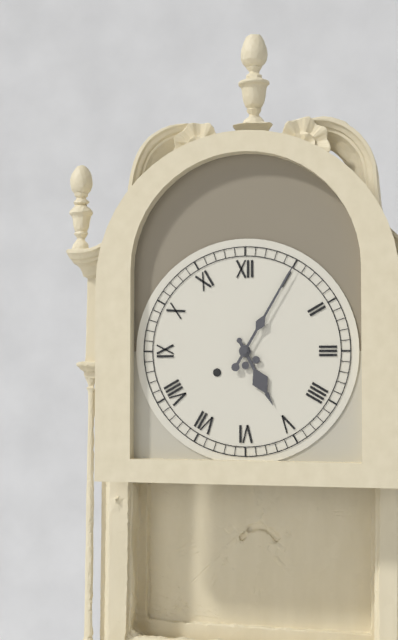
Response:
5.05
